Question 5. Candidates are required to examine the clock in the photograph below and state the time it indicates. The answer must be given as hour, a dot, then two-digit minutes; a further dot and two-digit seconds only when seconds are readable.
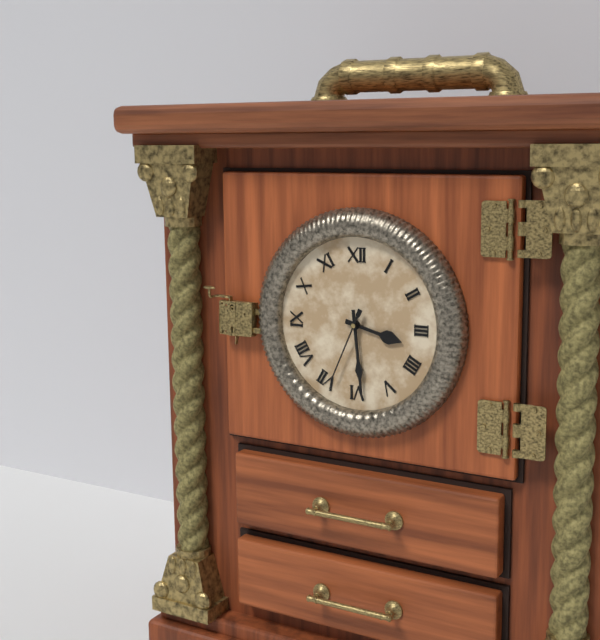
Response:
3.29.34
